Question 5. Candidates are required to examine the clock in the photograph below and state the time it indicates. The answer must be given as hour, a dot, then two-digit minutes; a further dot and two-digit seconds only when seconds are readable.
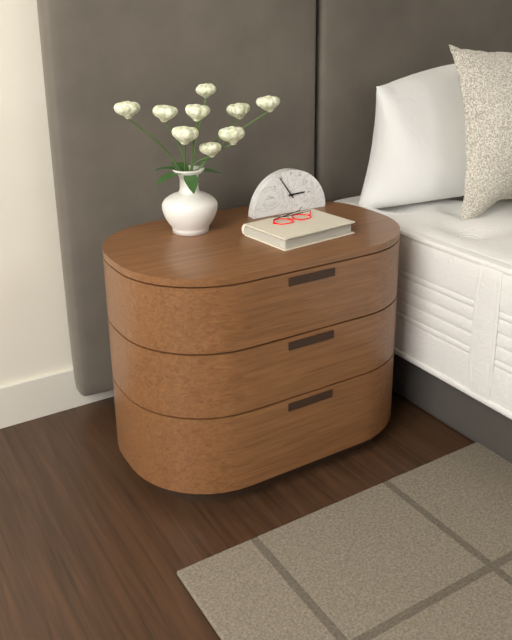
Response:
2.54
